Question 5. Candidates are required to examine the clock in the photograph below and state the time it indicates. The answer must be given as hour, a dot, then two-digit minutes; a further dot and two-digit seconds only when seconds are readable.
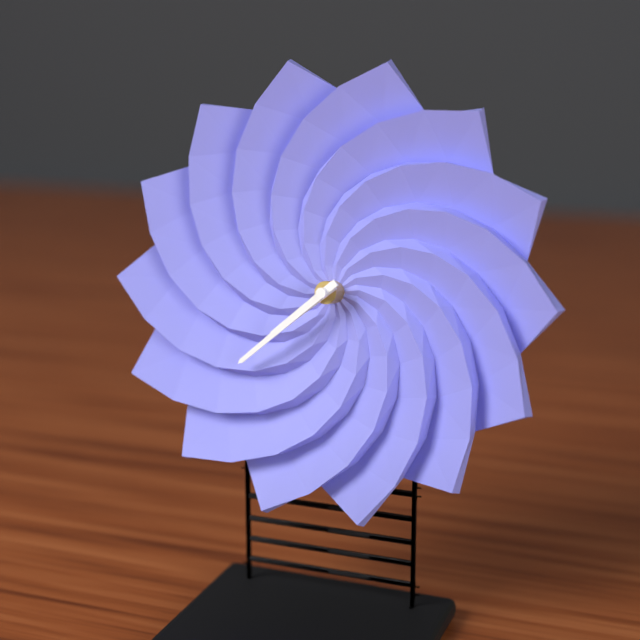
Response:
7.38
